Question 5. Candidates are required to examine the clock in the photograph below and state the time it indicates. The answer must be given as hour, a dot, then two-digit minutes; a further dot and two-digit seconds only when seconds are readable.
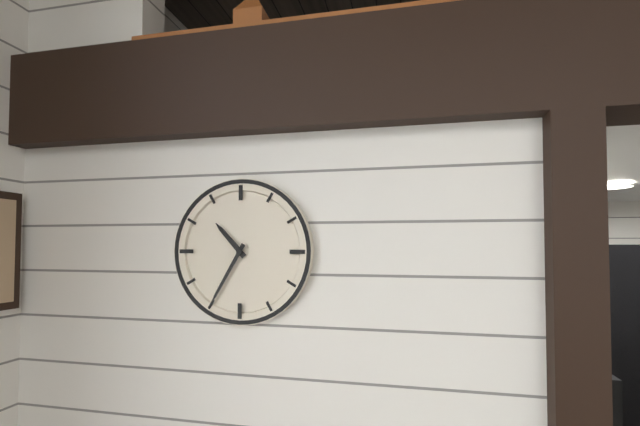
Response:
10.35
